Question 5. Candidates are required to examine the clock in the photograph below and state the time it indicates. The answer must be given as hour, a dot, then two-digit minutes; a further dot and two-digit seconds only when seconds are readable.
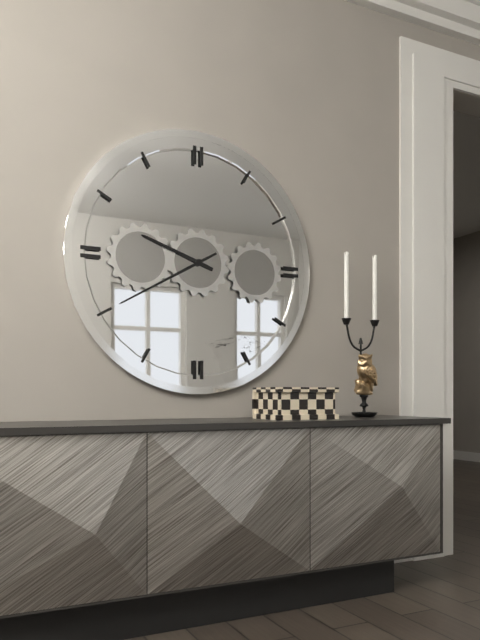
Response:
9.40
